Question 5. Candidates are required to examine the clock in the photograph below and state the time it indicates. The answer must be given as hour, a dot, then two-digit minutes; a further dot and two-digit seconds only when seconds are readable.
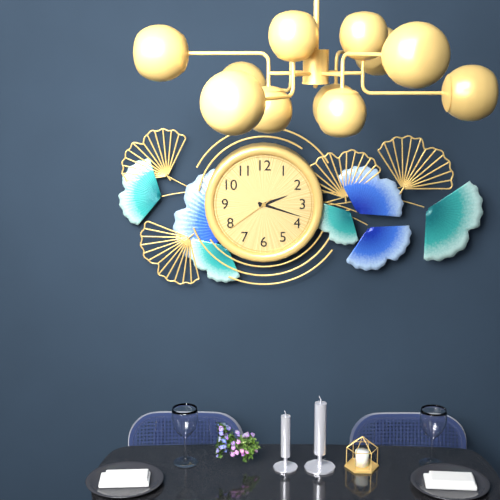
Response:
2.18.39
